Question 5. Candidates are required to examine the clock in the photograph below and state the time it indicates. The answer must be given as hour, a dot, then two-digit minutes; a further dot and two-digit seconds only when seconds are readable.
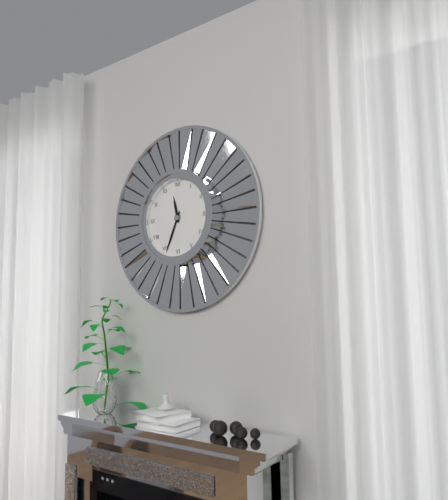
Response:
11.34
